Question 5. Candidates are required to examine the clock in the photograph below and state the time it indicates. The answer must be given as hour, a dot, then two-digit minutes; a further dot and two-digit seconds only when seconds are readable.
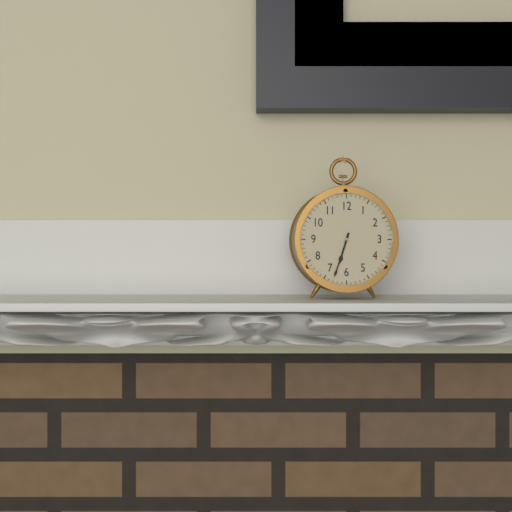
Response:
6.33
